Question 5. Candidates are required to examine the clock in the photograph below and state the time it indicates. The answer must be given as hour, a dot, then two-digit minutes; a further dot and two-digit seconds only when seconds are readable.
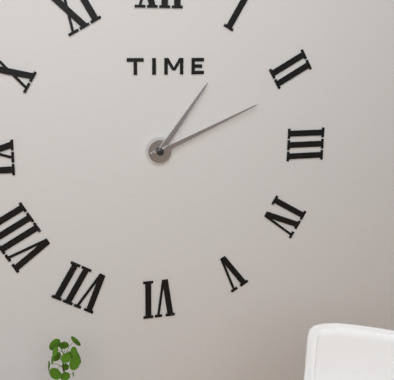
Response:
1.11
